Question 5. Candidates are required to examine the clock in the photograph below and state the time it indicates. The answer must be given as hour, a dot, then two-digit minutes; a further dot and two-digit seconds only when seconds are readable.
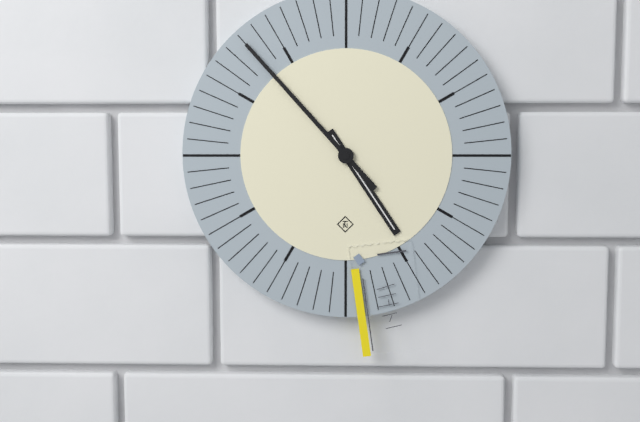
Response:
4.53
